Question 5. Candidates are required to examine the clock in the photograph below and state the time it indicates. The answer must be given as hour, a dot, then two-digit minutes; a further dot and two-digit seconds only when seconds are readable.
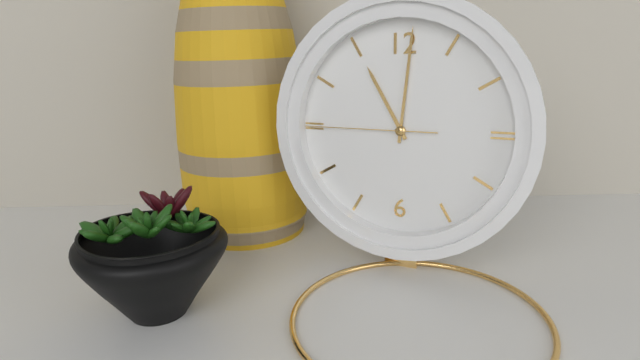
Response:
11.01.45
